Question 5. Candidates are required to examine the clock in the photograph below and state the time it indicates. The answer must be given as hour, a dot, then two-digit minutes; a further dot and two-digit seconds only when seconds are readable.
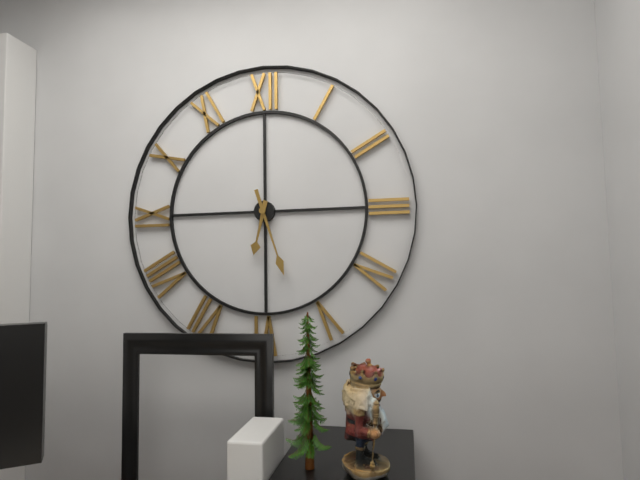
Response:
6.27
